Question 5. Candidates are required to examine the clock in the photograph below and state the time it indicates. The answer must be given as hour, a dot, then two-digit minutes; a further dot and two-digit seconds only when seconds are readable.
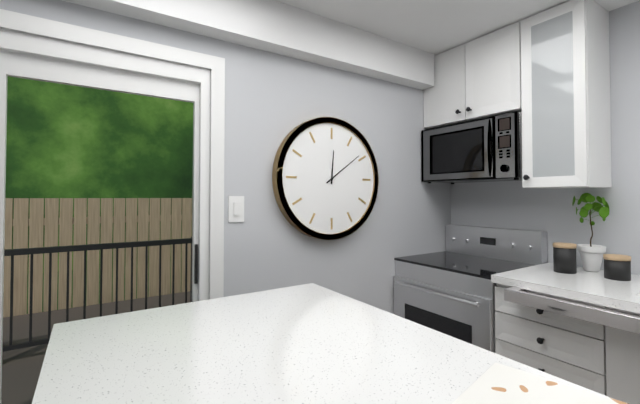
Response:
12.09
